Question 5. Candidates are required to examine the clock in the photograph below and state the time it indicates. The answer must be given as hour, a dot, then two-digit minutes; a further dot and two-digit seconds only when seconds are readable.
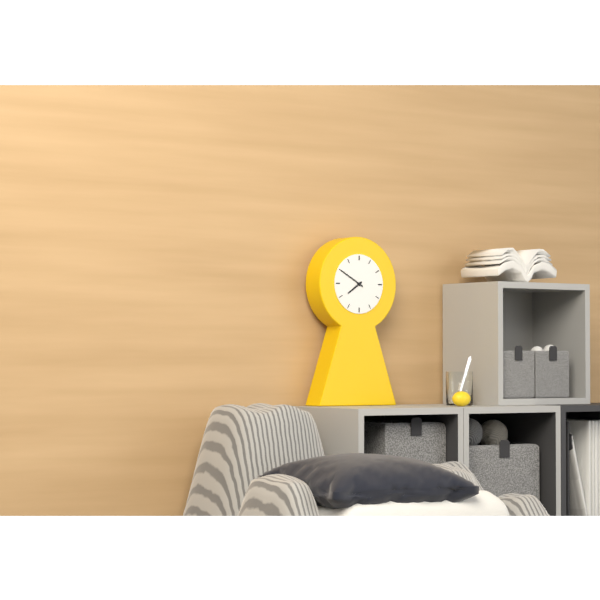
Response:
7.50
